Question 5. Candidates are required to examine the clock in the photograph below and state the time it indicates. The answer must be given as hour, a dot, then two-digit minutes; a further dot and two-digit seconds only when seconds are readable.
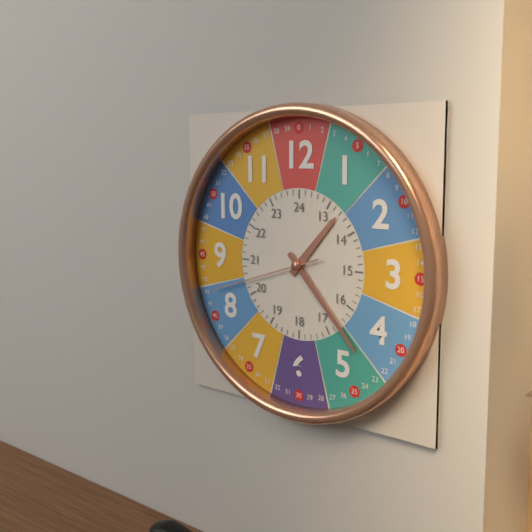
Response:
1.23.42
